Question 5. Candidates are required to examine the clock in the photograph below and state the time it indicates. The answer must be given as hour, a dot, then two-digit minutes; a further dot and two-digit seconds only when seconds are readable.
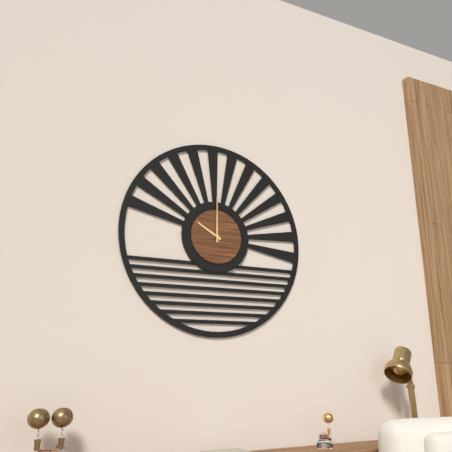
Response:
10.00
